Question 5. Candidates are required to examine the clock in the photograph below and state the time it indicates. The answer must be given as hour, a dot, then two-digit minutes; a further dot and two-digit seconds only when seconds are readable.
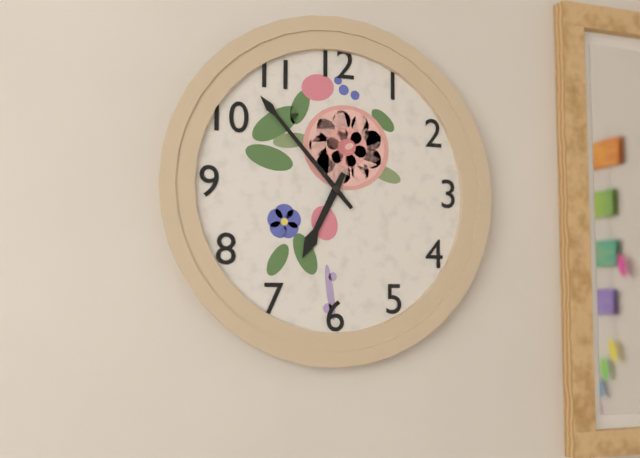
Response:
6.53
